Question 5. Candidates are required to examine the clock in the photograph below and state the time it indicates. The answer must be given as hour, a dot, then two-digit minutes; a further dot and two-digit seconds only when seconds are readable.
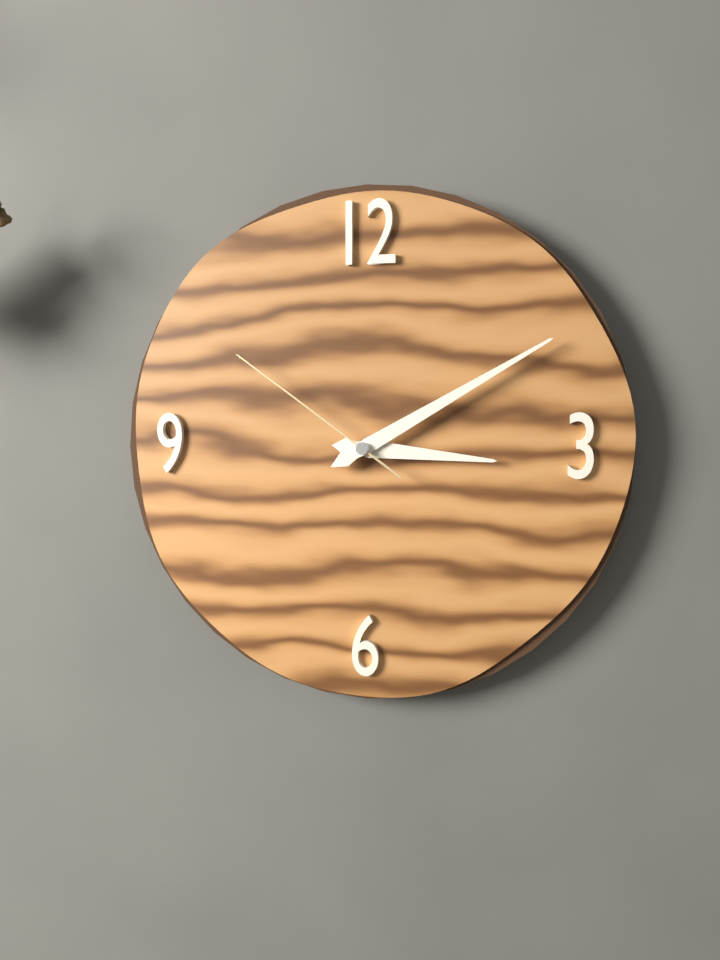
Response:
3.10.51
